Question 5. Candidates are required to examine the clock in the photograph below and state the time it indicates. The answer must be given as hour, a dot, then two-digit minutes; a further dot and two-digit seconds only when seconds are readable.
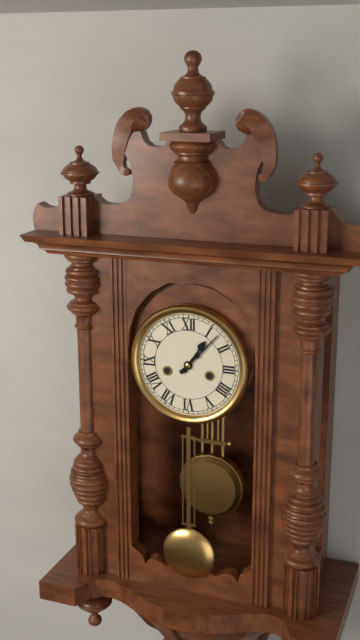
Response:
1.07
